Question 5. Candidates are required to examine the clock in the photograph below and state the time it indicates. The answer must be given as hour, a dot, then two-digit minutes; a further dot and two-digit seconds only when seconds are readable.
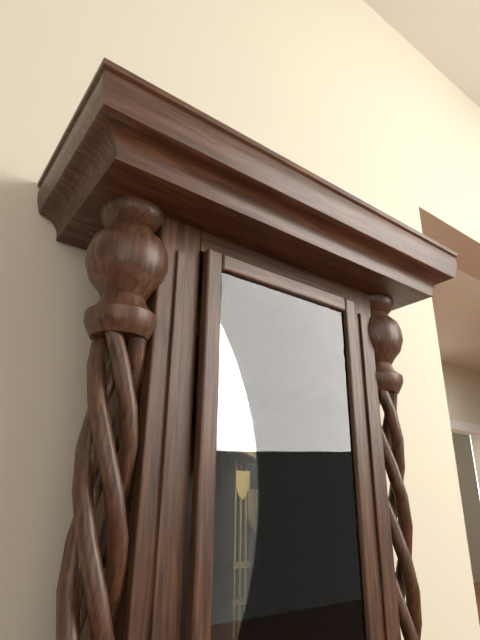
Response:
6.33
